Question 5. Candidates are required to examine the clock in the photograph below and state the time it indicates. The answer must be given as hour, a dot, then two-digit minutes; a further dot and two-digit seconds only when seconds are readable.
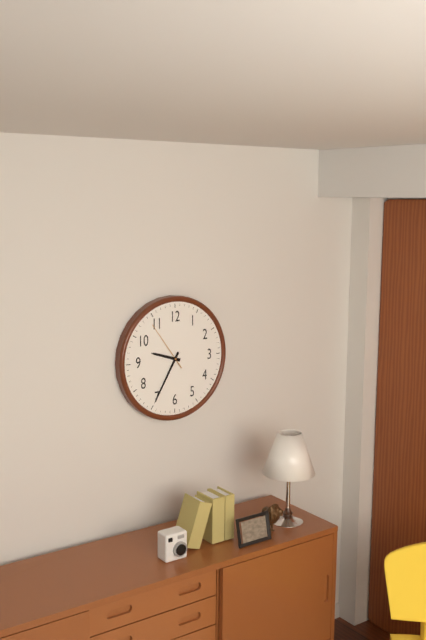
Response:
9.35.54
